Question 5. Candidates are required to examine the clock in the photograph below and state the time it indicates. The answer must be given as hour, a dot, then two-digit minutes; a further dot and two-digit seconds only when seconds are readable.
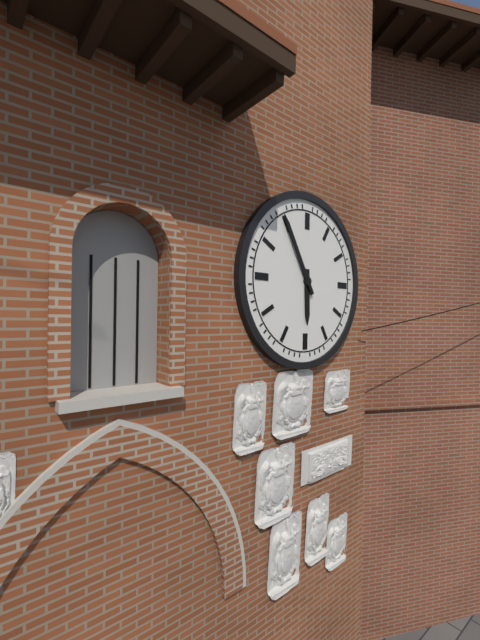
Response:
5.55
